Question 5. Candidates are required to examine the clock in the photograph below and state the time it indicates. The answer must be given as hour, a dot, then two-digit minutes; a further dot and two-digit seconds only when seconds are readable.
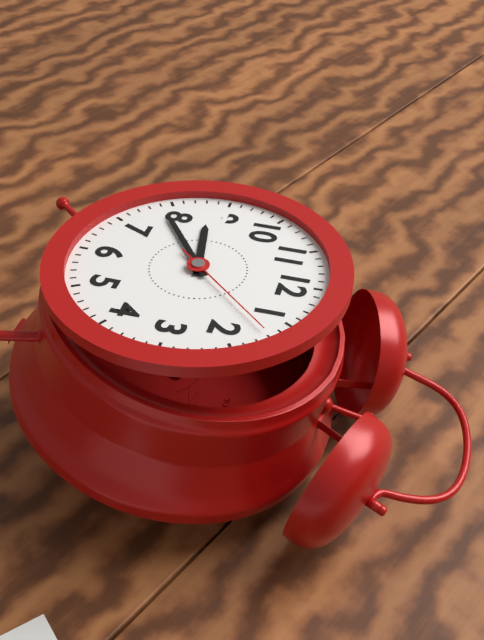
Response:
8.39.07
